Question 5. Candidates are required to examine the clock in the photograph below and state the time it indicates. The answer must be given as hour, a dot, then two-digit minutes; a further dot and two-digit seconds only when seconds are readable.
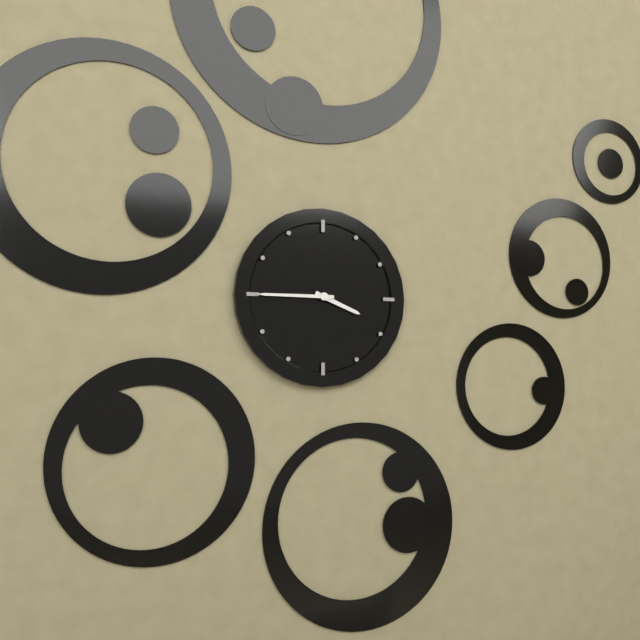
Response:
3.45
